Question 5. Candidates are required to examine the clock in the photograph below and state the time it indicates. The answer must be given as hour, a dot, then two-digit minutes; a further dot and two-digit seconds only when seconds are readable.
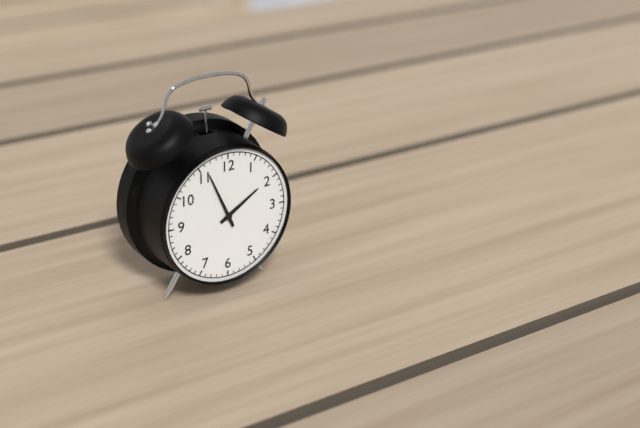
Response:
1.56
